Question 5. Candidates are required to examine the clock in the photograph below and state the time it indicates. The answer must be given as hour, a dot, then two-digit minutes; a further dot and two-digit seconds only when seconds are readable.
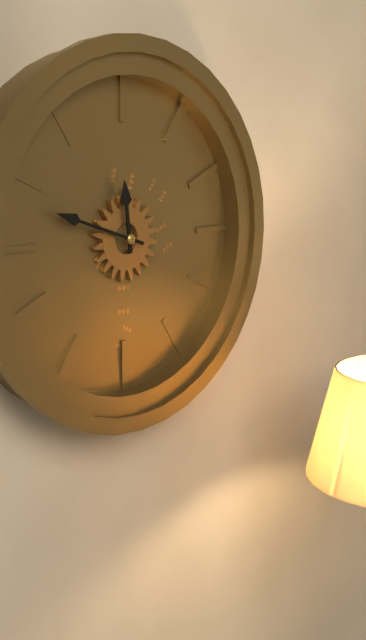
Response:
11.48
